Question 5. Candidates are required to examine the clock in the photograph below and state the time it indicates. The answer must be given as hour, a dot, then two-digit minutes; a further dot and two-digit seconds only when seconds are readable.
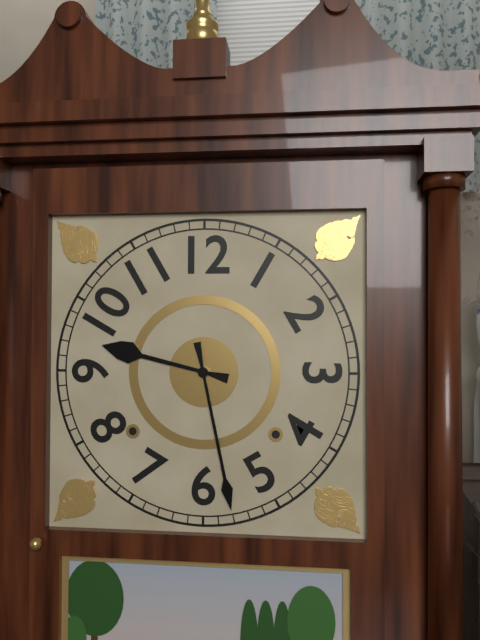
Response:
9.28
